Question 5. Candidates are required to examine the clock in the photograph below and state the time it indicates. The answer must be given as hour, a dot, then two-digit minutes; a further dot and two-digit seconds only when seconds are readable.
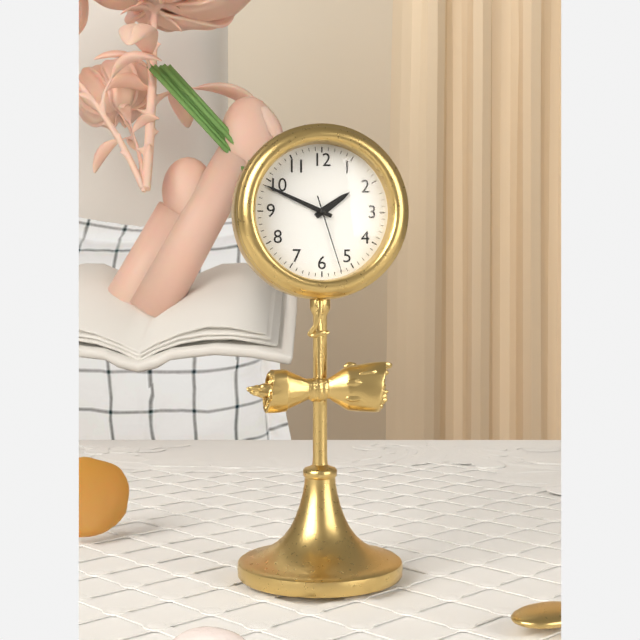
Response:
1.49.27
